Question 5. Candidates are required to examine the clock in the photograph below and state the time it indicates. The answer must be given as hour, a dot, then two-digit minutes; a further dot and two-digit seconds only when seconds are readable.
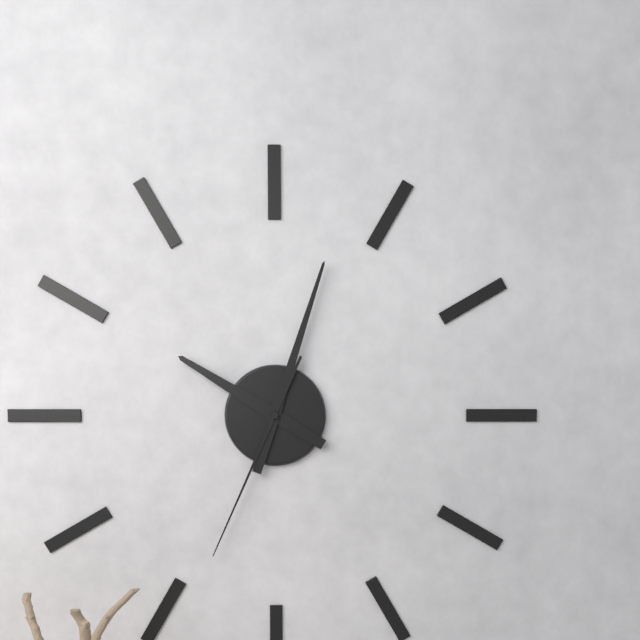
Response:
10.03.34
